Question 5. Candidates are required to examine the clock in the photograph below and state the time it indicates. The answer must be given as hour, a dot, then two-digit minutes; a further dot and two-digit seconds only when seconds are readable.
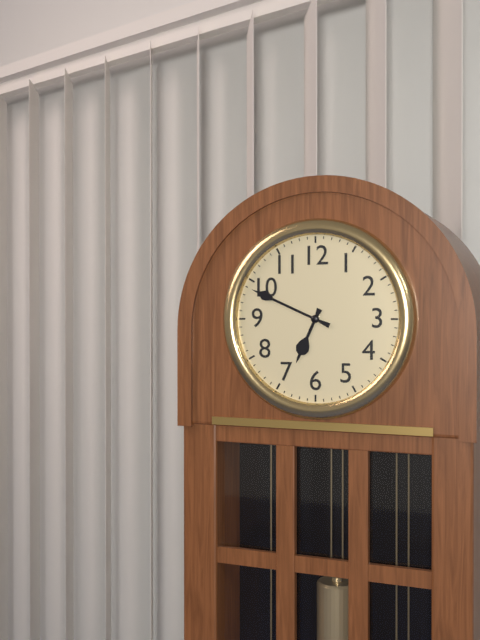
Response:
6.49
